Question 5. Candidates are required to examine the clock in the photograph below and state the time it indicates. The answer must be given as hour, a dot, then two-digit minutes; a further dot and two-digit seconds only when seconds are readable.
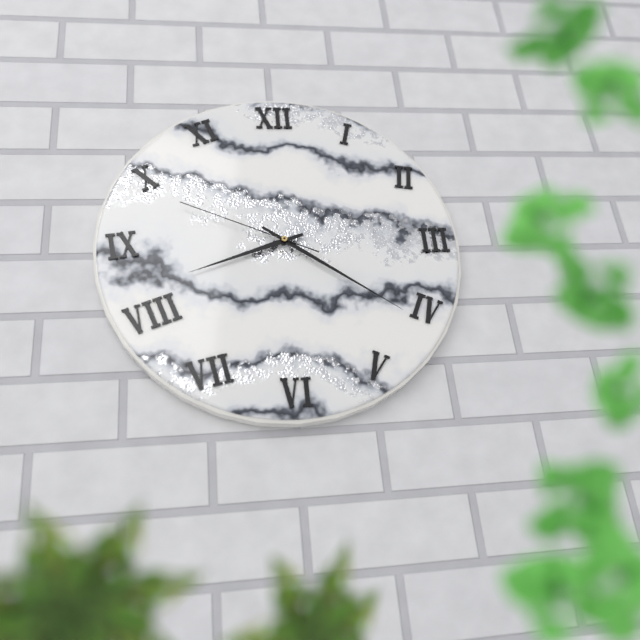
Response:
8.21.49
